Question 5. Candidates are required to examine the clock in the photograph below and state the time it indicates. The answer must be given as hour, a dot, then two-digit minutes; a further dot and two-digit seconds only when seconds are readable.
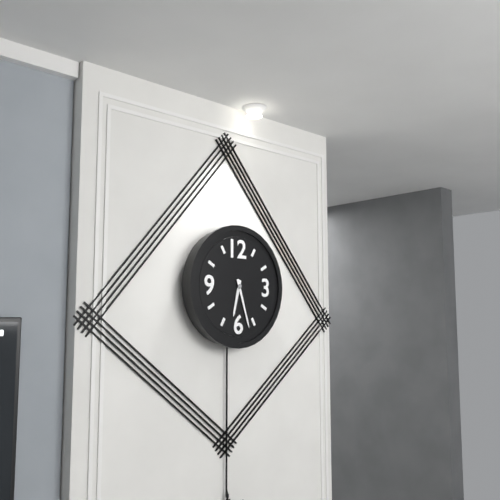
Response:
6.27
